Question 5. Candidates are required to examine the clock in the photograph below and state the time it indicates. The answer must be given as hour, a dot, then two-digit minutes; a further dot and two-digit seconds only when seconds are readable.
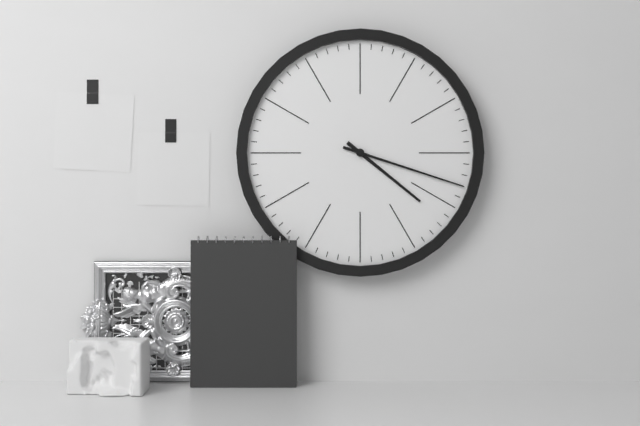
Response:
4.18
